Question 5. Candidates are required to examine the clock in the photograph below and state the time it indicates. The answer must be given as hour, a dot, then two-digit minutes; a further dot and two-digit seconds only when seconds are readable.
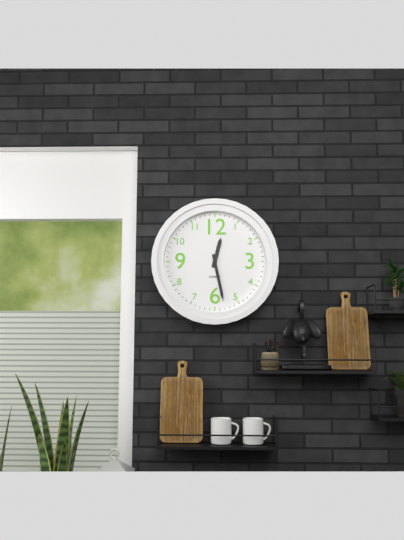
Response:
12.28
